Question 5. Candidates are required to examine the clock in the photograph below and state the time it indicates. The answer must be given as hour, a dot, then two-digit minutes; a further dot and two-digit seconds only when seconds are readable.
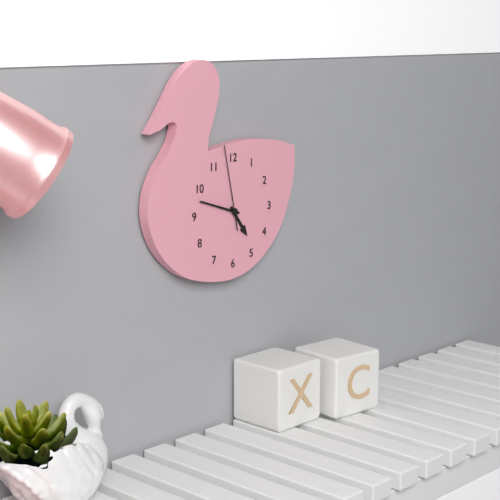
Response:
4.48.58
